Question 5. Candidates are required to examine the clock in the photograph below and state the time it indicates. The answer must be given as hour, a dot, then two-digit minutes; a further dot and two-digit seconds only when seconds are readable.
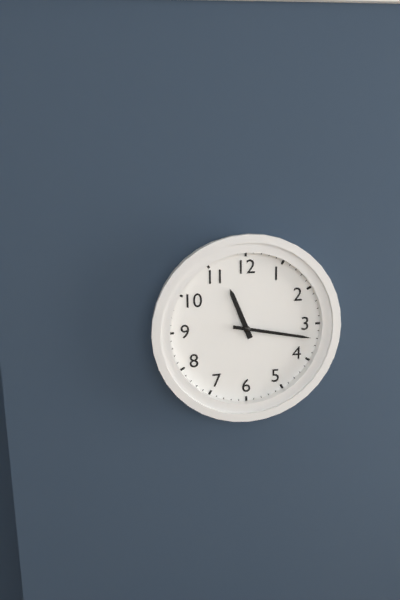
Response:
11.17
